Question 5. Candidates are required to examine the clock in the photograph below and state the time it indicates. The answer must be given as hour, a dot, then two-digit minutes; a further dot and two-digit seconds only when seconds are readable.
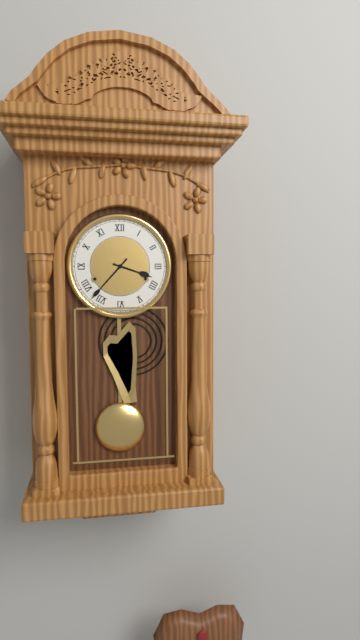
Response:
3.37
